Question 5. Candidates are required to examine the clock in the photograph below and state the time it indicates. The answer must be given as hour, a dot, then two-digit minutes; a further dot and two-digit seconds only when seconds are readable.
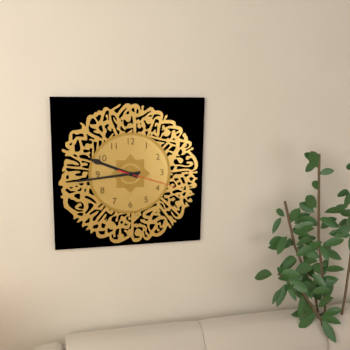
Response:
9.44.18
